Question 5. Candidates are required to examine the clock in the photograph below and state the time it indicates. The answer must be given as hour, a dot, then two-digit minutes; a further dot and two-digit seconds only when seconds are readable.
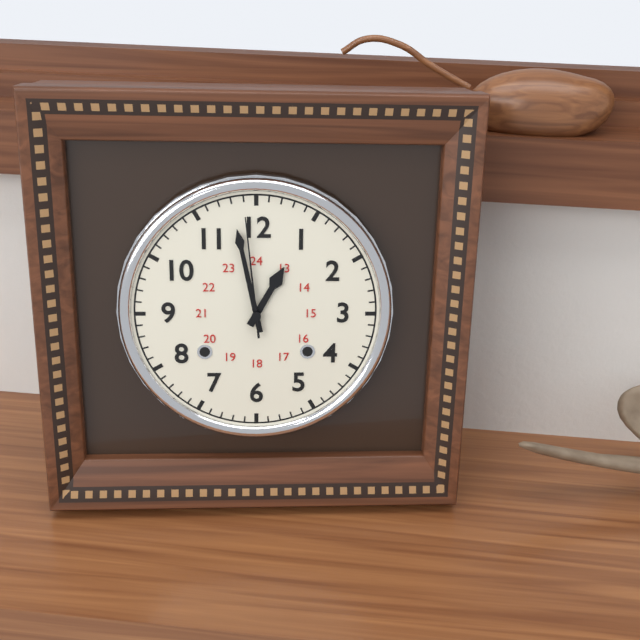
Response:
12.58.59
